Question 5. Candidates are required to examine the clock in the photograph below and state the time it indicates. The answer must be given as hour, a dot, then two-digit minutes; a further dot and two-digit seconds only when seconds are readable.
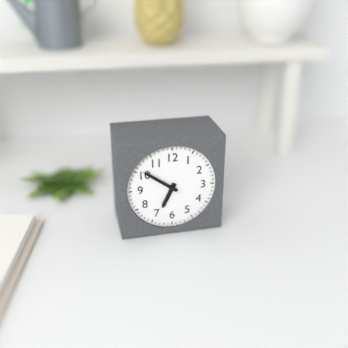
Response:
6.51
